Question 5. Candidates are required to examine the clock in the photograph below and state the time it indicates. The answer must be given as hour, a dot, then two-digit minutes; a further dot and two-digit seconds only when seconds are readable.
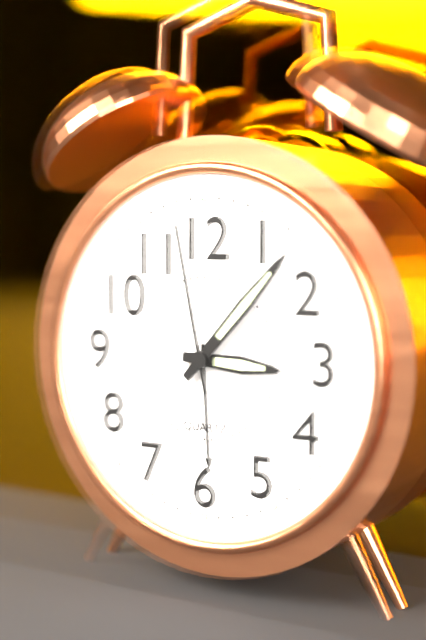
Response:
3.07.58
